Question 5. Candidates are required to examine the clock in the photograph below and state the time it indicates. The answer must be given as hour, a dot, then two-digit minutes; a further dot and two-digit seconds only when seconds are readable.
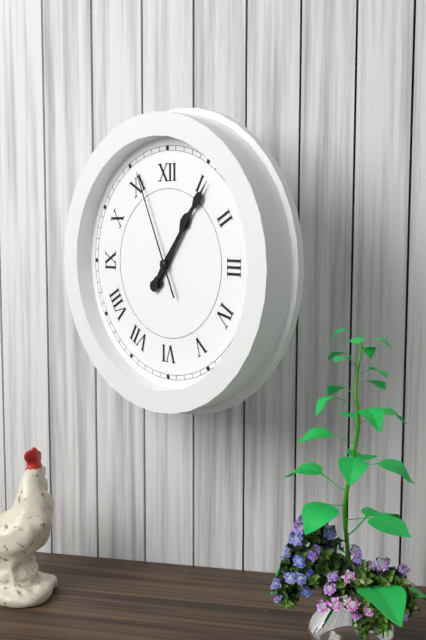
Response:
1.06.56
